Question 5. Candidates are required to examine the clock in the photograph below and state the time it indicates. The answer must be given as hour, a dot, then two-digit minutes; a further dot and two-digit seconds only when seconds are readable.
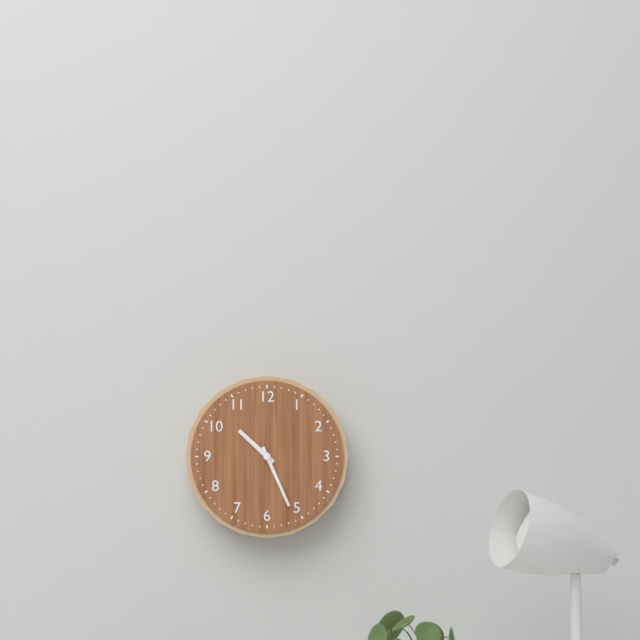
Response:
10.26
